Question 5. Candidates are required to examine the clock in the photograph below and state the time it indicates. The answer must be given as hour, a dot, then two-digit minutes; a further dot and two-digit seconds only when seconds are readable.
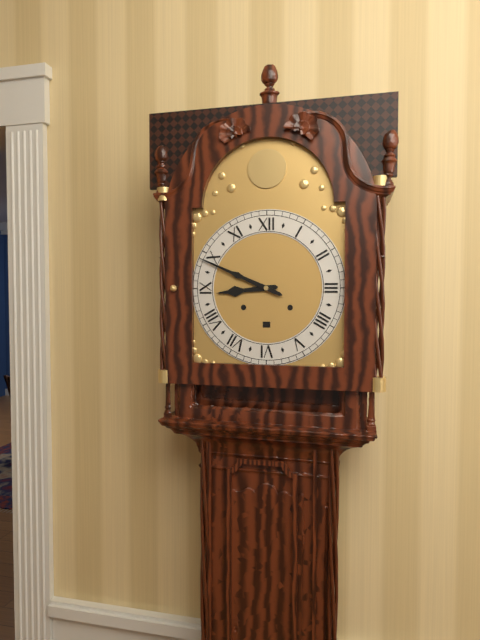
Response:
8.49
